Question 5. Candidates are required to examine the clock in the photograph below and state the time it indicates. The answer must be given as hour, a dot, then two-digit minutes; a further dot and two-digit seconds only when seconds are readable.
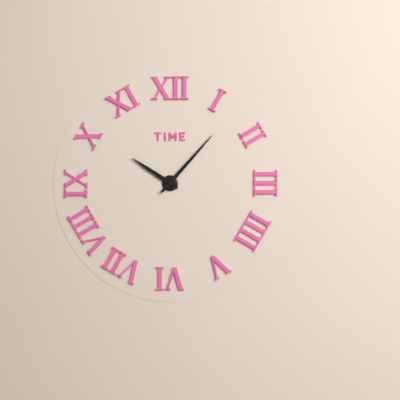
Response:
10.07
